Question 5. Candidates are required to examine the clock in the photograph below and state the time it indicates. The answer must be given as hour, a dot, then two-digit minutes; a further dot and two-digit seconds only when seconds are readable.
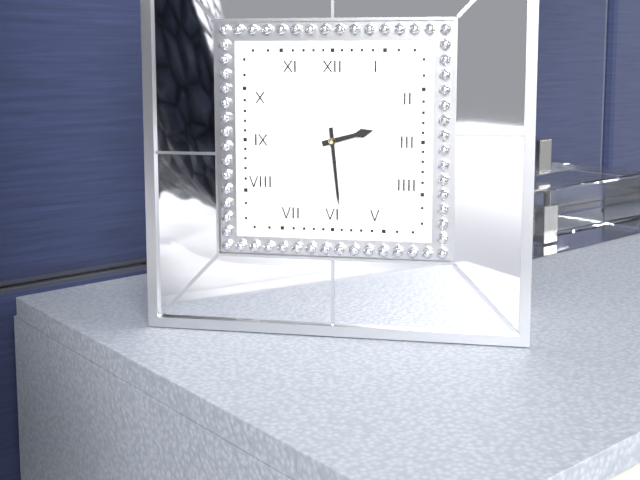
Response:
2.29
